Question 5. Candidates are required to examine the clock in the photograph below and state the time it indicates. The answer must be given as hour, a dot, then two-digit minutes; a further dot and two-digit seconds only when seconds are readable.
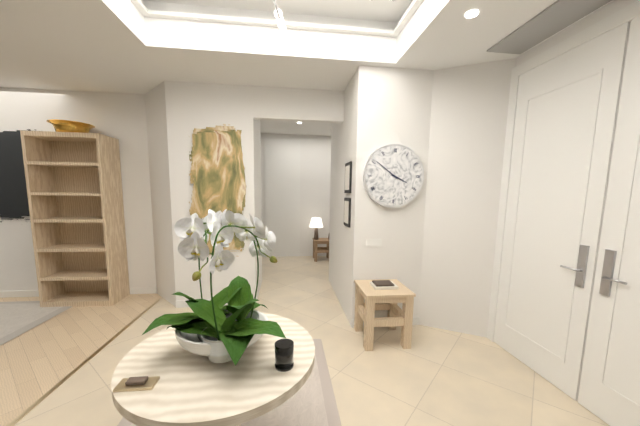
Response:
3.51
